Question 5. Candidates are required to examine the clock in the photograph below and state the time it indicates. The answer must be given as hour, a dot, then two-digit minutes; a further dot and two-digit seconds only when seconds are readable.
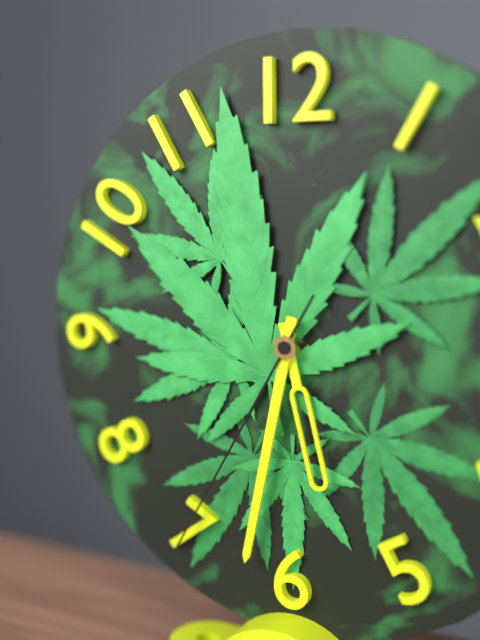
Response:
5.32.35
